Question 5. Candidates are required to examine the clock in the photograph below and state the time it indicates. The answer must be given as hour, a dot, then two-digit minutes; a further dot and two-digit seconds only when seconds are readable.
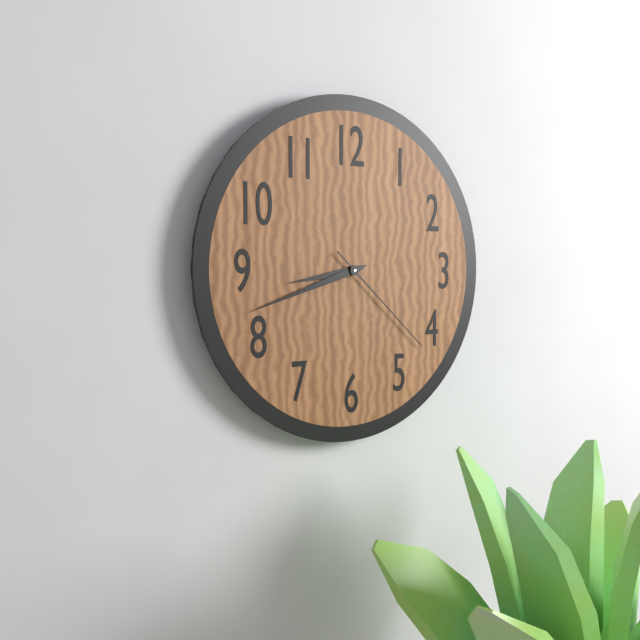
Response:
8.42.22
